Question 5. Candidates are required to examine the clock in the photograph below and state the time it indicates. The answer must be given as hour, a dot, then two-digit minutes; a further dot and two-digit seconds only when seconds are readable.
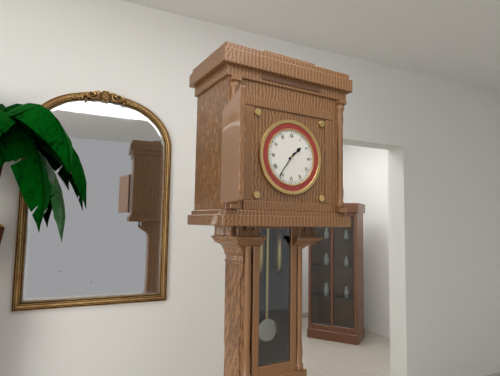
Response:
1.36
